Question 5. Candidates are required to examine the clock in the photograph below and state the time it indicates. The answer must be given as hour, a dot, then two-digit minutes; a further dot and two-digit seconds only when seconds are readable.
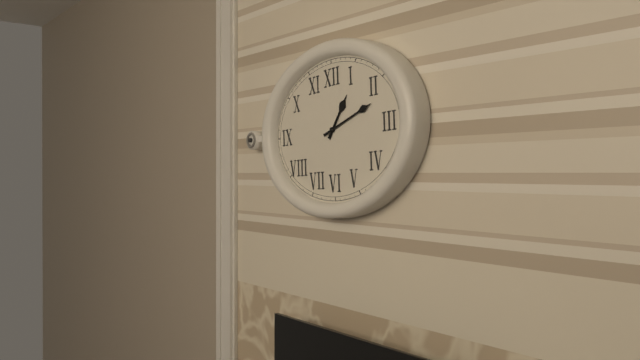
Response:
1.12
